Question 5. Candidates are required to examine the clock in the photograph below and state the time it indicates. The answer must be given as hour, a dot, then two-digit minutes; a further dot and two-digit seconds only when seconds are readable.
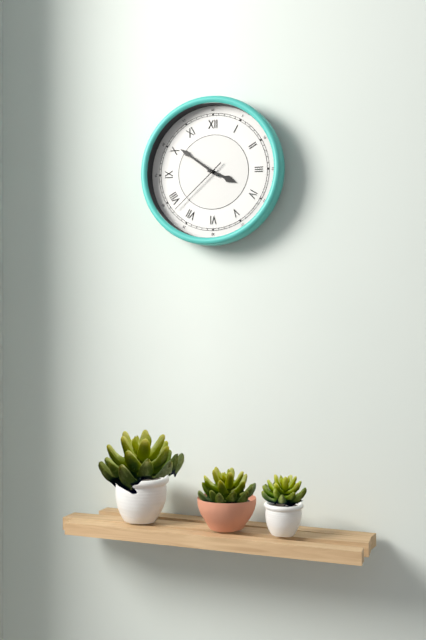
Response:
3.51.38
